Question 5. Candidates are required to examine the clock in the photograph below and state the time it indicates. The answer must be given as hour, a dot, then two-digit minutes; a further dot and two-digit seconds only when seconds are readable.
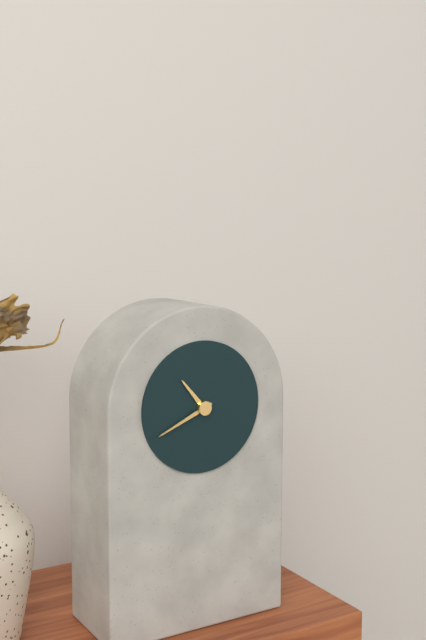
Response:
10.41
